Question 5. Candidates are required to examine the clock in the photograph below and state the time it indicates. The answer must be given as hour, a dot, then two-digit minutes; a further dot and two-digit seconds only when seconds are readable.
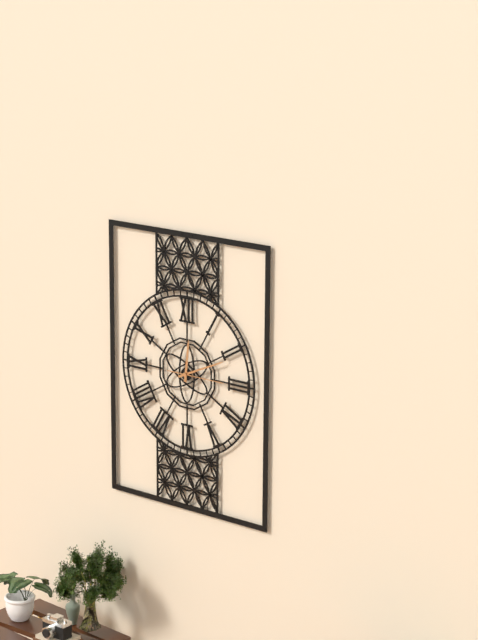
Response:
12.11
